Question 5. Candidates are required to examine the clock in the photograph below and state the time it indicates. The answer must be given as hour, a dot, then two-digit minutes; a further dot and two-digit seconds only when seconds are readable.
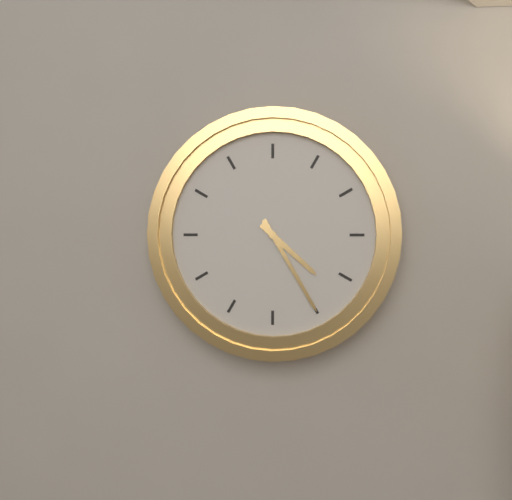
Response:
4.25
